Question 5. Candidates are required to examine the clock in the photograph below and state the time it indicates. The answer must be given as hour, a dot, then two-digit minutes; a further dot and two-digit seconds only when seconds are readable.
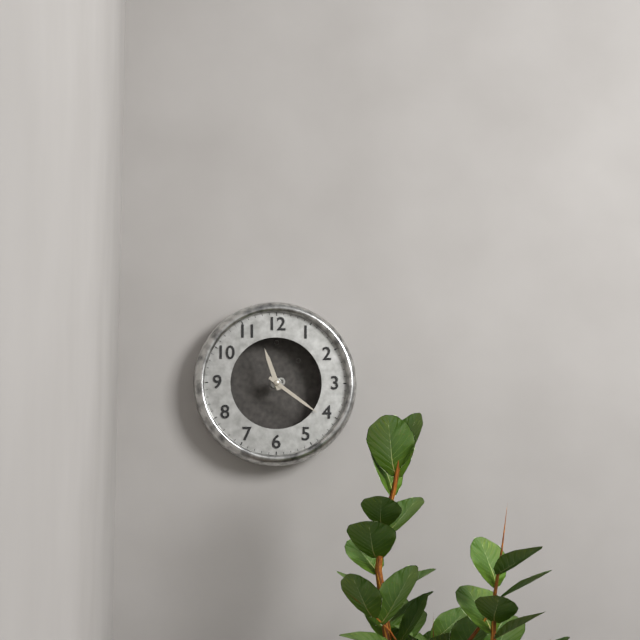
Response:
11.21
